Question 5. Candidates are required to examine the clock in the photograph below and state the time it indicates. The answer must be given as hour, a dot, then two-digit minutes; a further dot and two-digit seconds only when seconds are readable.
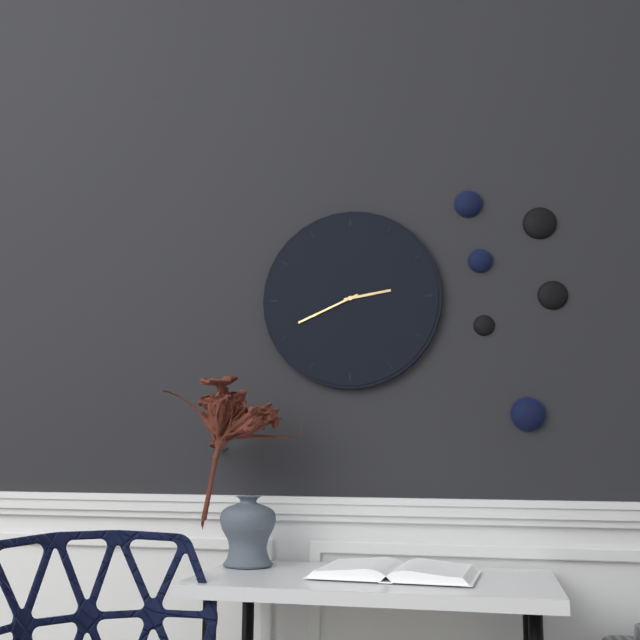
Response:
2.41
